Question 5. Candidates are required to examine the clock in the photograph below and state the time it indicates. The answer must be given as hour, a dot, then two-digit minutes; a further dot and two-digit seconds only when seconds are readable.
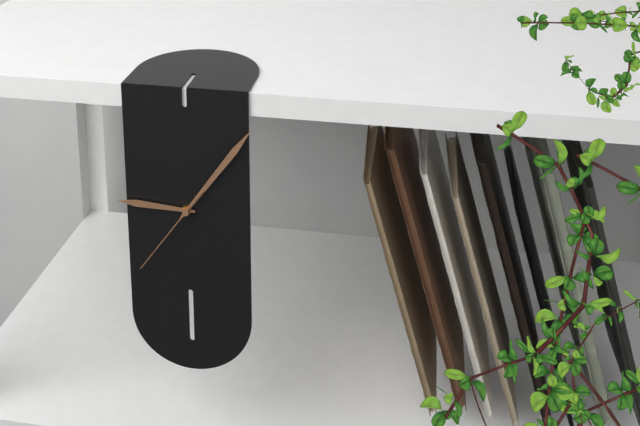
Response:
9.06.36
